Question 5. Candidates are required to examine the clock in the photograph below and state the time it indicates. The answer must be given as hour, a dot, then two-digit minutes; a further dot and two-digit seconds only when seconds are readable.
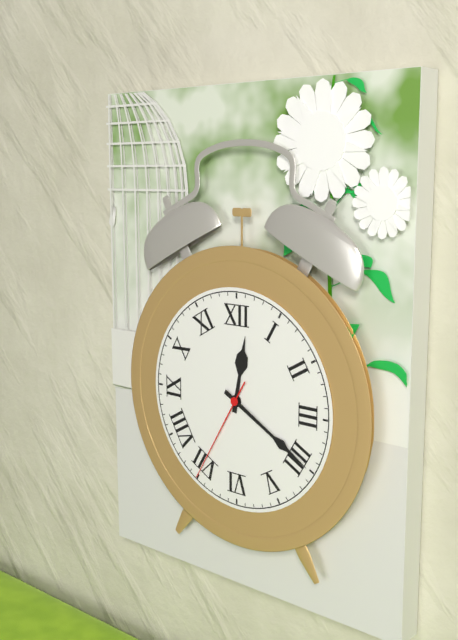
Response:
12.20.35
